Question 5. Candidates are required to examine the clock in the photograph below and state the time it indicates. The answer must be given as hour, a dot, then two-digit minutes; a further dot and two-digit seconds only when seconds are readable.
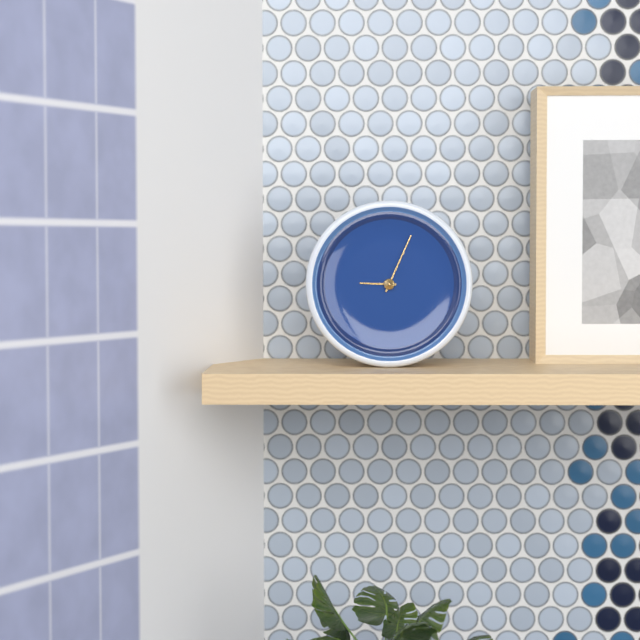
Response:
9.04
